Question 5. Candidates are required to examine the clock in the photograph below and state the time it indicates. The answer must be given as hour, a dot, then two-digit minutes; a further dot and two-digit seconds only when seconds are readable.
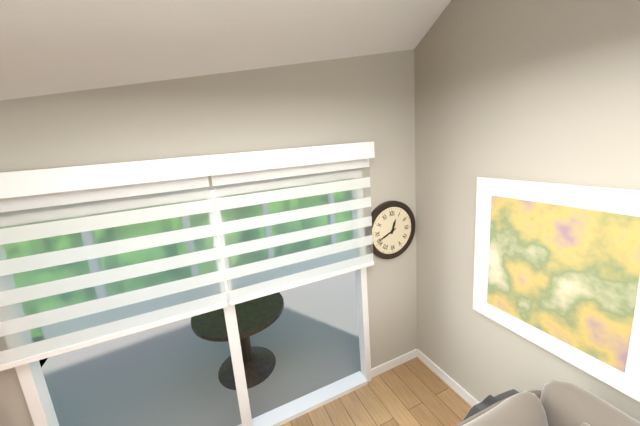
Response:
12.41
